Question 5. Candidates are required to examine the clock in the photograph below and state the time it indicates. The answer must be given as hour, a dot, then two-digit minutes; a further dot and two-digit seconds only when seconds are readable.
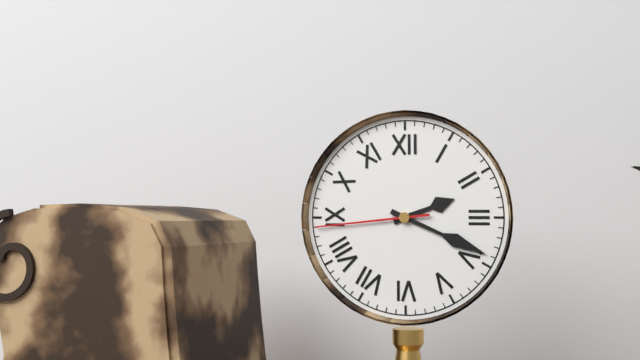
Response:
2.19.44
